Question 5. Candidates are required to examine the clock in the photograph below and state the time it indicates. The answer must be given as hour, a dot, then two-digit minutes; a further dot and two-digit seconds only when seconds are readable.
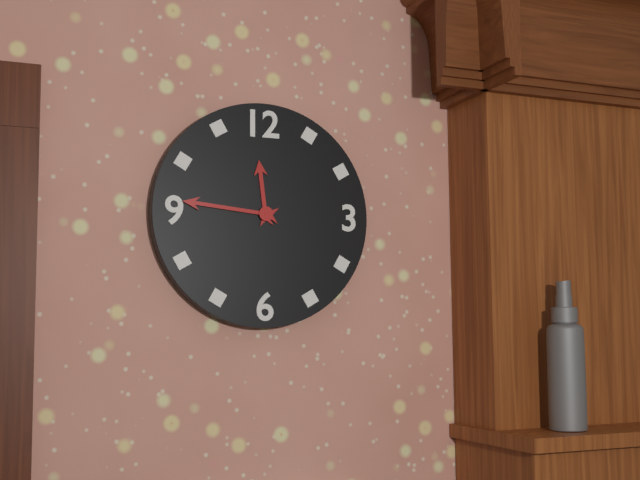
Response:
11.46
